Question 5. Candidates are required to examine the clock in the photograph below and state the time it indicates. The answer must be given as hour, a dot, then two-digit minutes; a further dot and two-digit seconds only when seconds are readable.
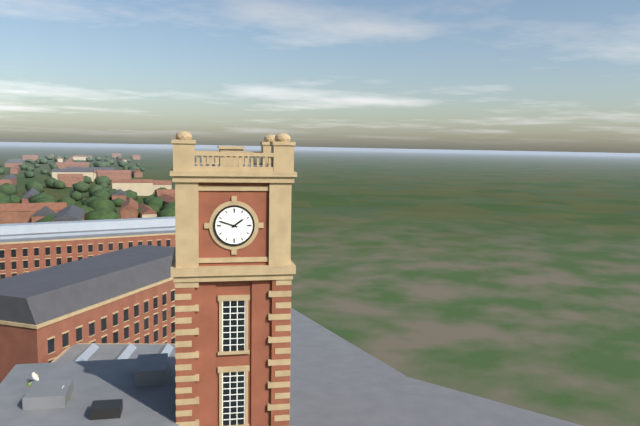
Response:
1.48
